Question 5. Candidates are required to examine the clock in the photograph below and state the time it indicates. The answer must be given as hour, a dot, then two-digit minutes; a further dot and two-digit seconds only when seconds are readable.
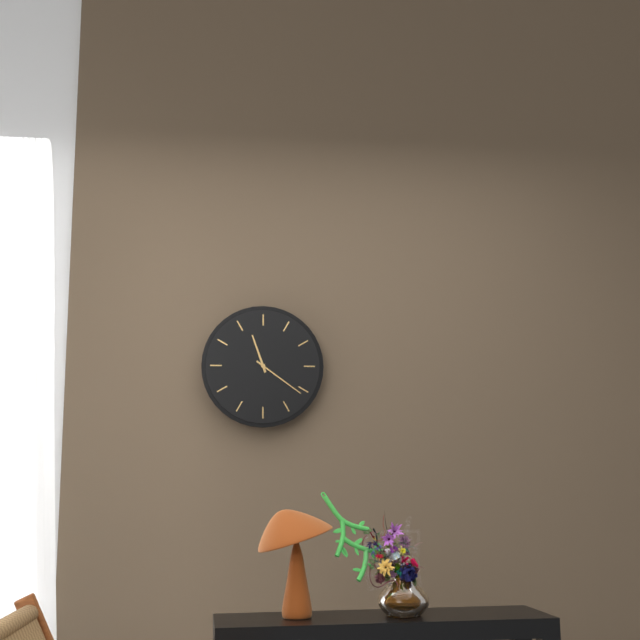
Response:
11.21
